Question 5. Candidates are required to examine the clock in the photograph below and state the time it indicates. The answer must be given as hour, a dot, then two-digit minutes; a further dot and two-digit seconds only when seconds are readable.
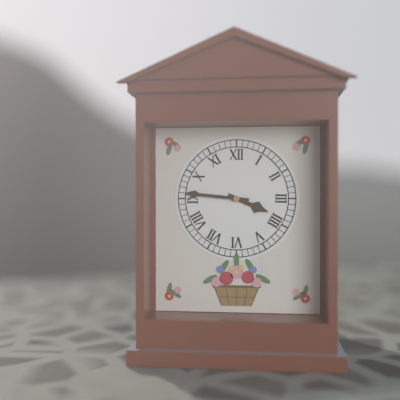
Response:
3.46
